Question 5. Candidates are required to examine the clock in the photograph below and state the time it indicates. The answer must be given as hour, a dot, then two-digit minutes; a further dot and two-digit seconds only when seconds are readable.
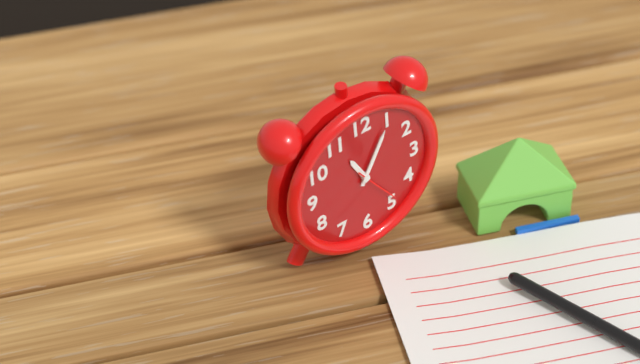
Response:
11.05.24
